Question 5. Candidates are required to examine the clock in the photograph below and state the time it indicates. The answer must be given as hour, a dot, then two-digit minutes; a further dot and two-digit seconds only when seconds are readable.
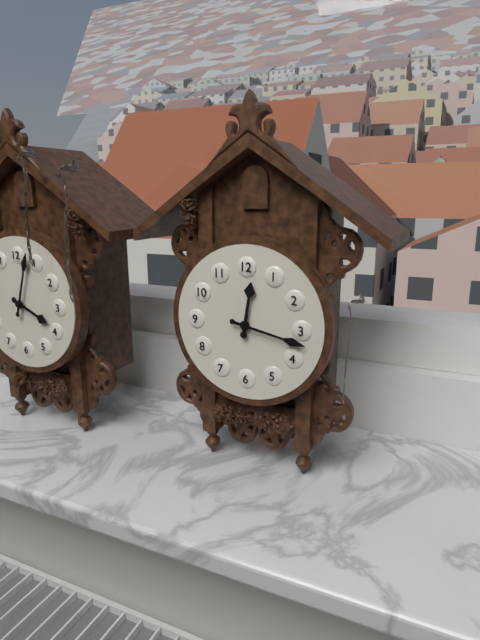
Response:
12.17
